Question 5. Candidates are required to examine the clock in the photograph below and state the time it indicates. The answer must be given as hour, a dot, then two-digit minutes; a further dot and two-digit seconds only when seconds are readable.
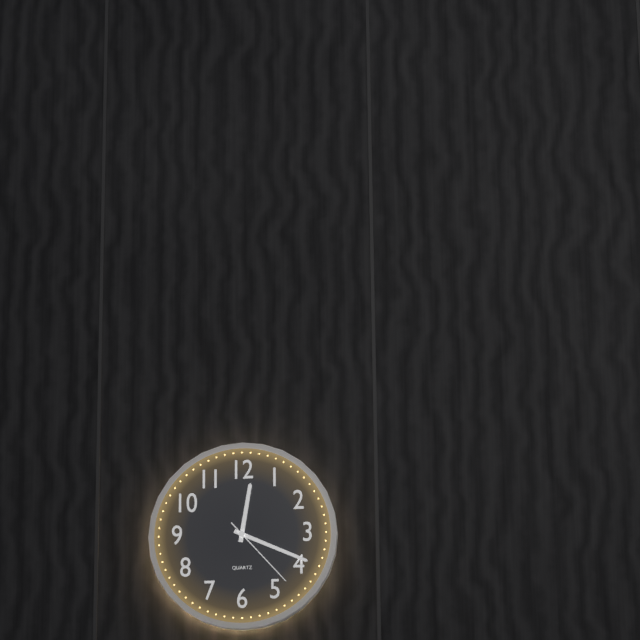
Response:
12.19.23
